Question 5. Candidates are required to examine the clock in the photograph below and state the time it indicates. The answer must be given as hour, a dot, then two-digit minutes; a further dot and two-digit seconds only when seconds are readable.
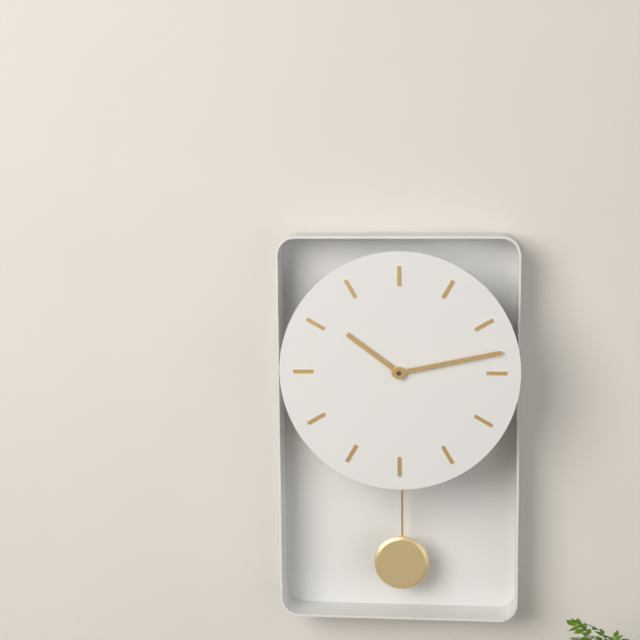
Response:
10.13
